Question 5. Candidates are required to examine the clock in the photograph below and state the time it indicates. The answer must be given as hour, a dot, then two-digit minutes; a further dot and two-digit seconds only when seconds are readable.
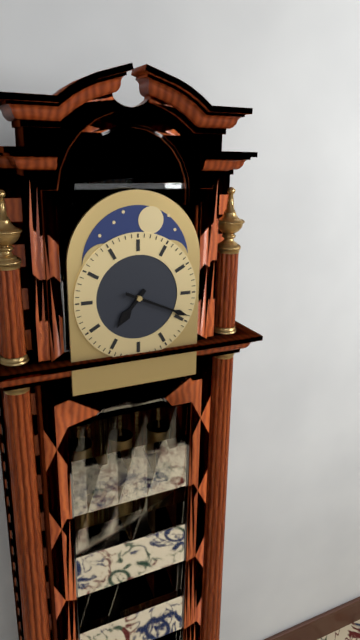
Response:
7.19
